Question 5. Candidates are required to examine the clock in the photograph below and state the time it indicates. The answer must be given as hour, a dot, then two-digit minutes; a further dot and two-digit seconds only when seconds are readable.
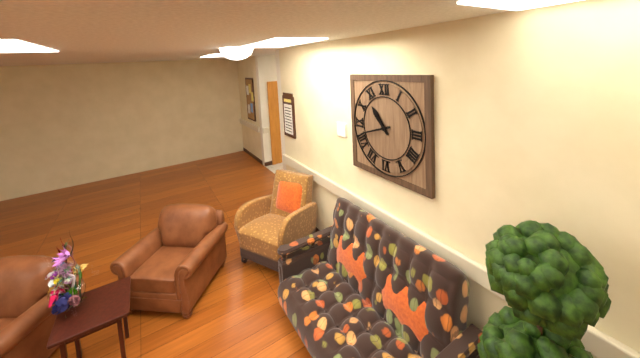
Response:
10.42
